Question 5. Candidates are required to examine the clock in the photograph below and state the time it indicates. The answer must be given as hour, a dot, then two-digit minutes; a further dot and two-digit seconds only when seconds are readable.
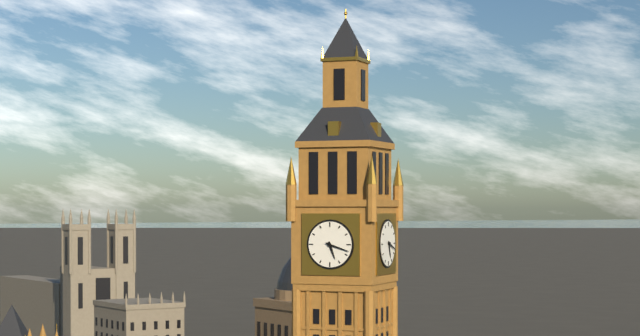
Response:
5.18
